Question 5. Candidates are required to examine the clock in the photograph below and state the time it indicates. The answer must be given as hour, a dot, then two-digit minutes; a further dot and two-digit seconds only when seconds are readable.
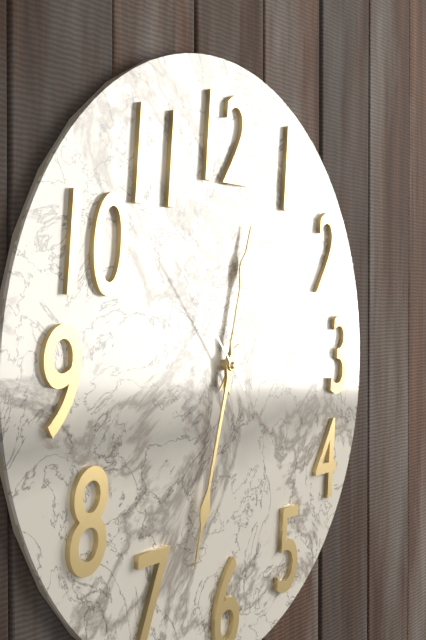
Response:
12.33.53
